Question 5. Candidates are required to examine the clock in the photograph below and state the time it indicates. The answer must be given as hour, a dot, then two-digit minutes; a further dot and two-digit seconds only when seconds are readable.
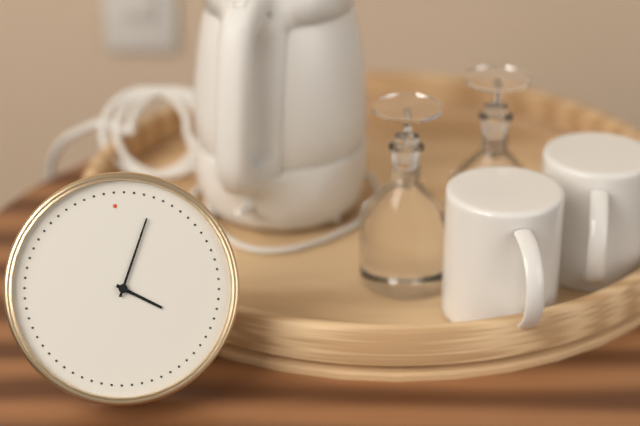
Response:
4.04
